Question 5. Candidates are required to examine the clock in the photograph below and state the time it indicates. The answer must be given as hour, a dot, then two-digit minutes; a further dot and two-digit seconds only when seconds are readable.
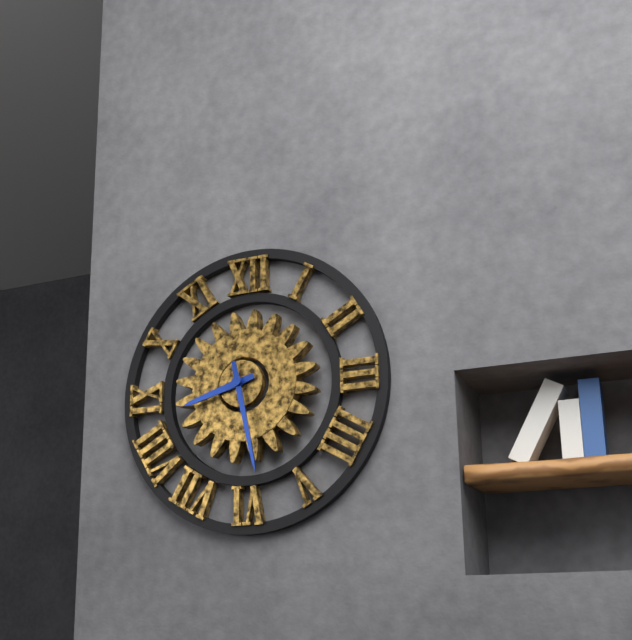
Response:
8.28
